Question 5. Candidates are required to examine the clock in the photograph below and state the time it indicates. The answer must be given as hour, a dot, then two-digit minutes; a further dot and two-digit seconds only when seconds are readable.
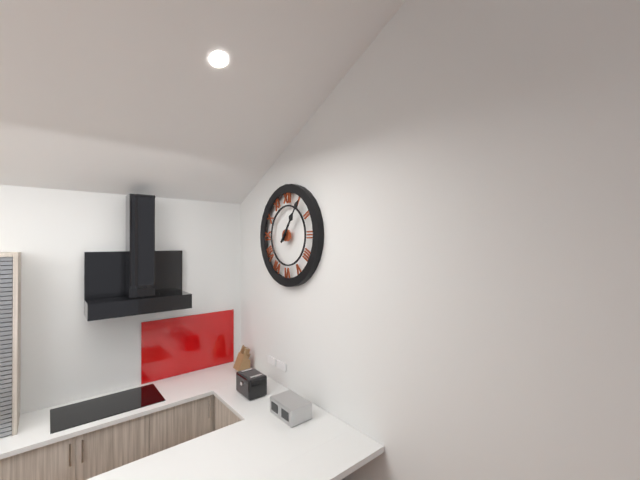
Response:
1.06
